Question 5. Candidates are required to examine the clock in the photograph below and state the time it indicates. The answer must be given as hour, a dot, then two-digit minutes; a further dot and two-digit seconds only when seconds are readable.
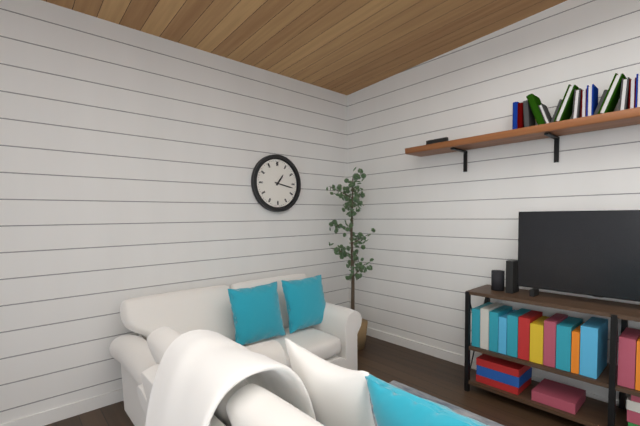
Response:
1.17
